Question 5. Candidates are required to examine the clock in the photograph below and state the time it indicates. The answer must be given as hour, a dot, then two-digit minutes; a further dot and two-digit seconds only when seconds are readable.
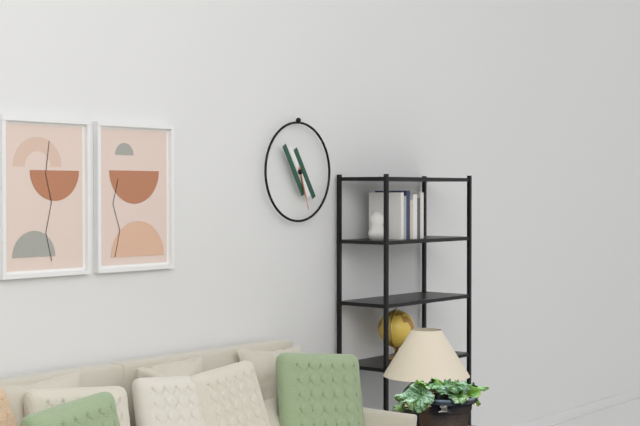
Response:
5.27
